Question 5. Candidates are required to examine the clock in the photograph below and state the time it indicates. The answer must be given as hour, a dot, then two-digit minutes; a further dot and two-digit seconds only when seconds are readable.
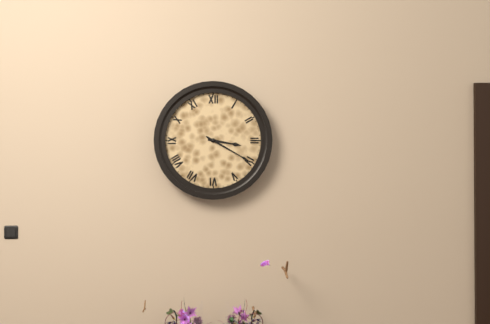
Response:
3.20
